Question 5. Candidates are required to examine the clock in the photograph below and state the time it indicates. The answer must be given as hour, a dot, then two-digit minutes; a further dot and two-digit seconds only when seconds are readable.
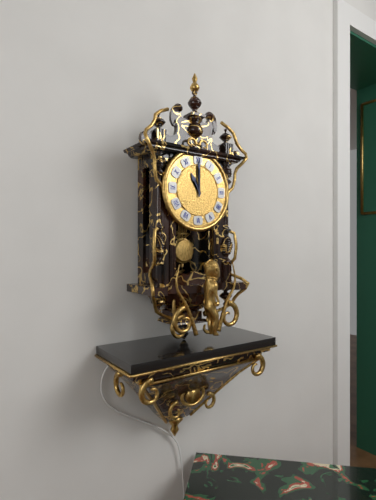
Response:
11.00
